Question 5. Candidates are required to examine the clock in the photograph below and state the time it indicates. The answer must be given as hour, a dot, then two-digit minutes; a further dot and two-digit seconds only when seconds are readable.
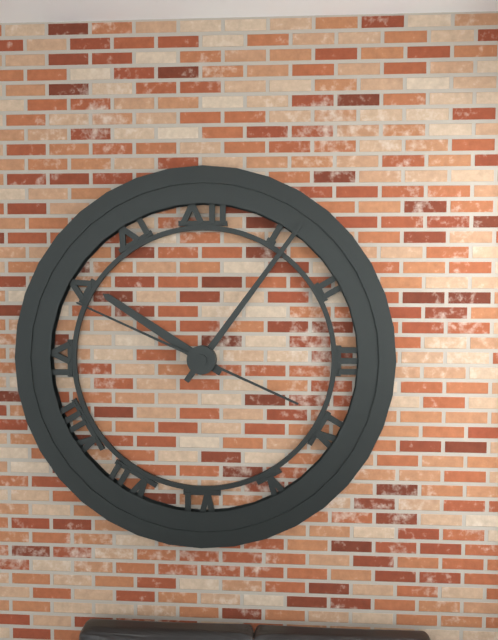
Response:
10.06.49
